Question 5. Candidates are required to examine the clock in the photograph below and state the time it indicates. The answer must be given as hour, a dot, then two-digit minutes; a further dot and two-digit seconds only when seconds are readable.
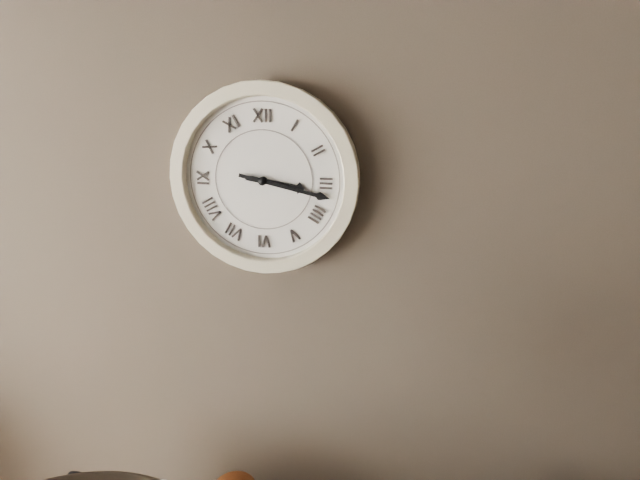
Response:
3.17
